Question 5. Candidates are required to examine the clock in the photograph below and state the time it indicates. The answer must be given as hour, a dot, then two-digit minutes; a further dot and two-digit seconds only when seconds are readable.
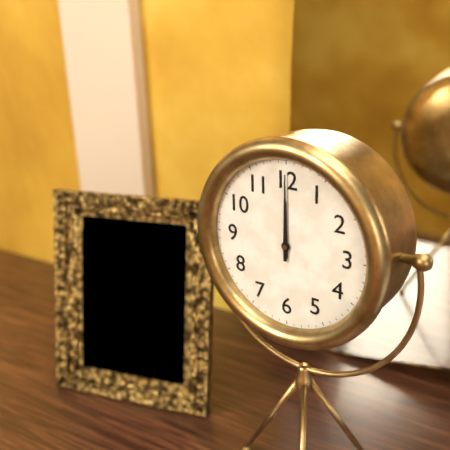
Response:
12.00
